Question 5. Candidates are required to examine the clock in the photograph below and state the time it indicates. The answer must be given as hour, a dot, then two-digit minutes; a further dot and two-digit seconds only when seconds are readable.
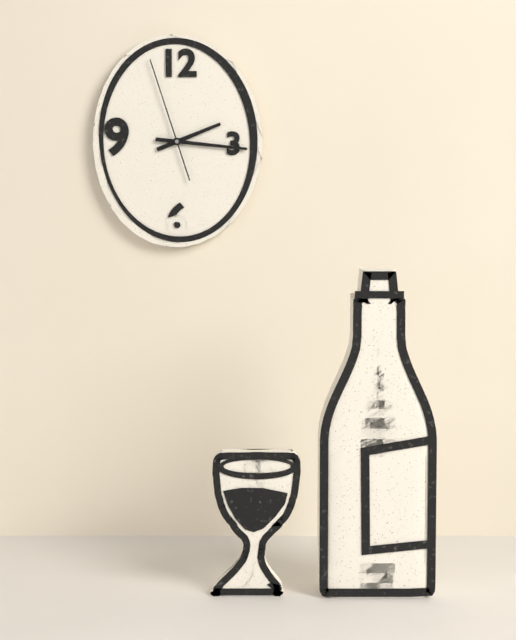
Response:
2.16.57
